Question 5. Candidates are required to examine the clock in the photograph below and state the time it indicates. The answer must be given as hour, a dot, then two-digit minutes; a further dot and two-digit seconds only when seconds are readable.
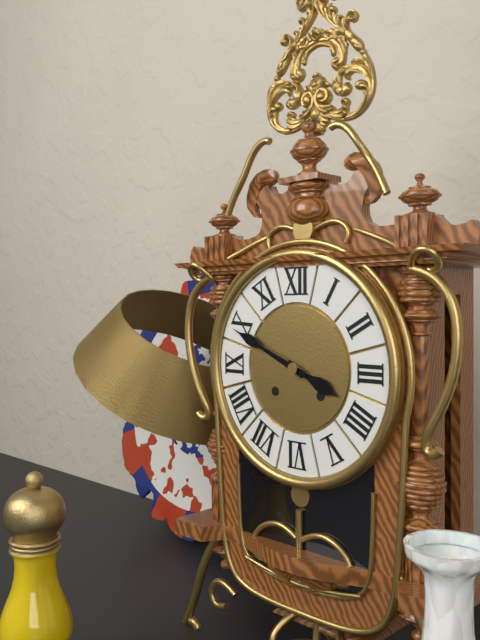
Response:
3.49
